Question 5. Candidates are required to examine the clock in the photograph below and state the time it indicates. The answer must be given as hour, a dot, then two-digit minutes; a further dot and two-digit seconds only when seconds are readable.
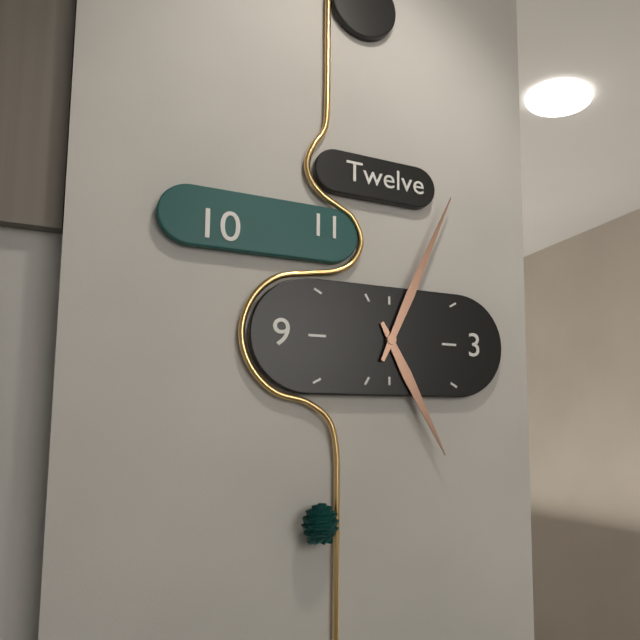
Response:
5.04
